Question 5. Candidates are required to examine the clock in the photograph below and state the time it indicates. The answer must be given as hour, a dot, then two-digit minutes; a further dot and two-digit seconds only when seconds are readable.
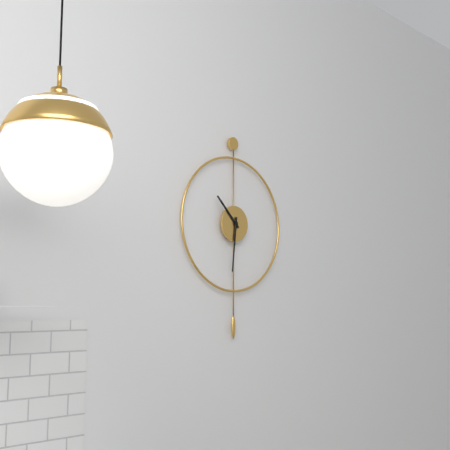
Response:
10.31
